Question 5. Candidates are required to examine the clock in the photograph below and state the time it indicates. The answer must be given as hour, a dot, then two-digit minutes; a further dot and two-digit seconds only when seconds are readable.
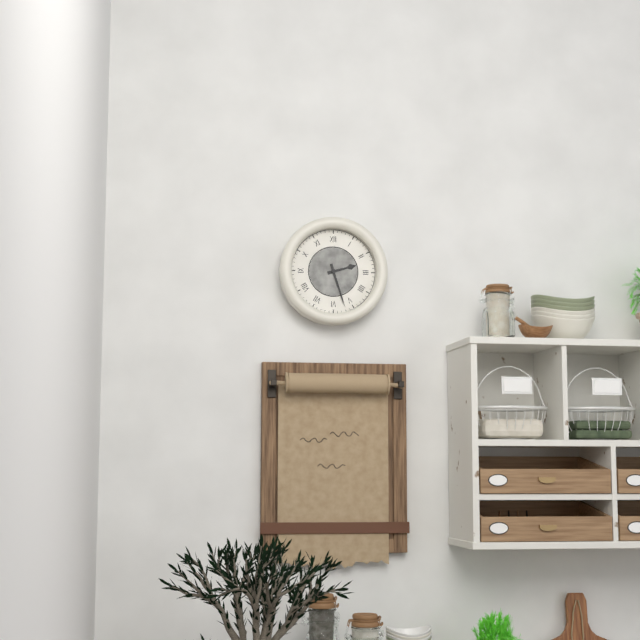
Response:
2.27
